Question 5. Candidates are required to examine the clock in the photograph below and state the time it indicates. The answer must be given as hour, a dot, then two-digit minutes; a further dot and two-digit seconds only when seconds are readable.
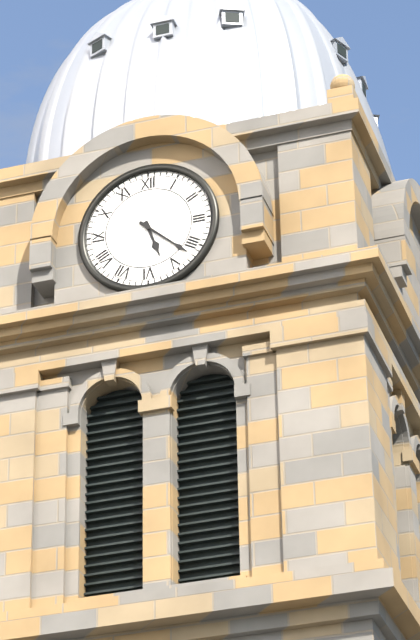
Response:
5.22
